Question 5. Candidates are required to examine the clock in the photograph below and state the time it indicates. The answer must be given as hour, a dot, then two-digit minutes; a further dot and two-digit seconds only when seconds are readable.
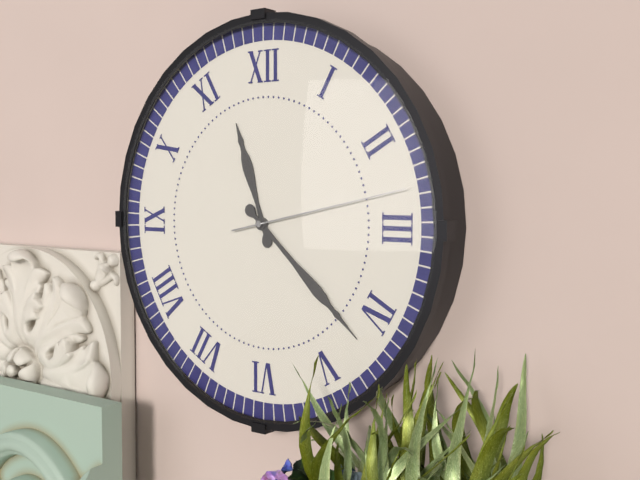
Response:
11.22.13
